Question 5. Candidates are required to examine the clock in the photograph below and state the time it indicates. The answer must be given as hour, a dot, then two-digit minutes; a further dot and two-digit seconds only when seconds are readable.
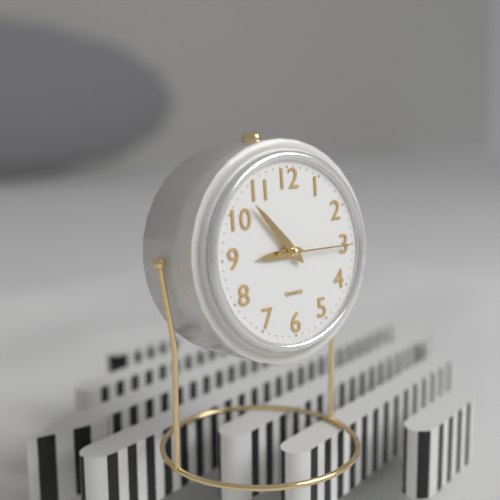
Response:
8.53.15
